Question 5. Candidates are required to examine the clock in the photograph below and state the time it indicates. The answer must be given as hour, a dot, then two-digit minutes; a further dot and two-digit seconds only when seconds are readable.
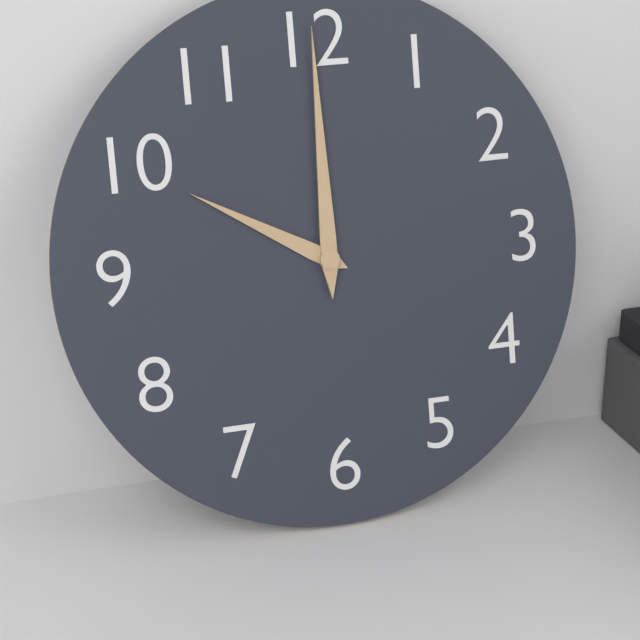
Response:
10.00
